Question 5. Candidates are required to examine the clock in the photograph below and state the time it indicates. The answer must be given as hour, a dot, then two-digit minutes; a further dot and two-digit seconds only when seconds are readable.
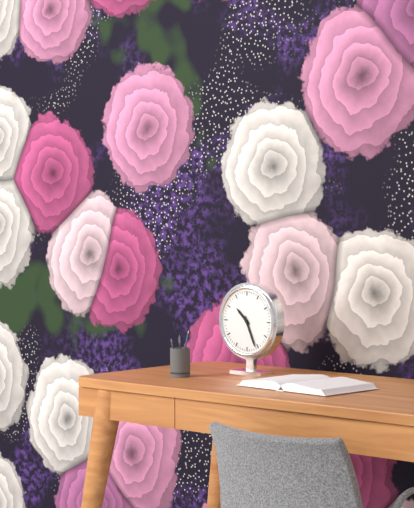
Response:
10.26
